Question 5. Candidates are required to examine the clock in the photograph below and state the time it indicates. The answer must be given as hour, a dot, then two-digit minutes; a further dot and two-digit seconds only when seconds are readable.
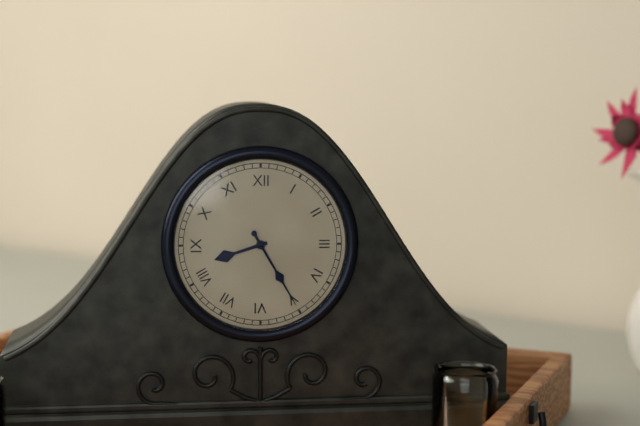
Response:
8.25
